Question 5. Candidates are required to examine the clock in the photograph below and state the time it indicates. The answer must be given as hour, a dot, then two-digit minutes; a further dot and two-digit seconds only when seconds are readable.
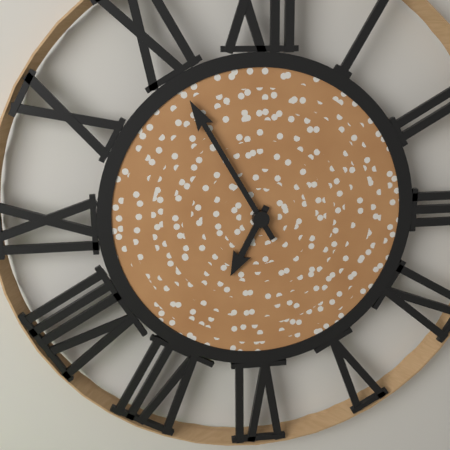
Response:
6.55
